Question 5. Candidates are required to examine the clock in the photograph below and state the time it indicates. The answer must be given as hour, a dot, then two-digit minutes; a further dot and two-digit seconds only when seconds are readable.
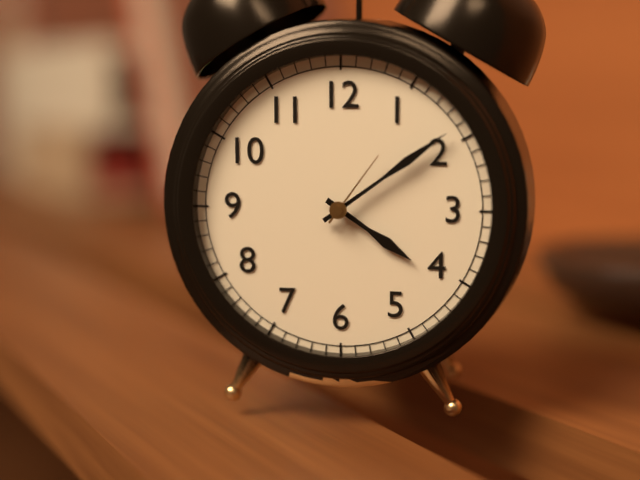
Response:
4.09.06
